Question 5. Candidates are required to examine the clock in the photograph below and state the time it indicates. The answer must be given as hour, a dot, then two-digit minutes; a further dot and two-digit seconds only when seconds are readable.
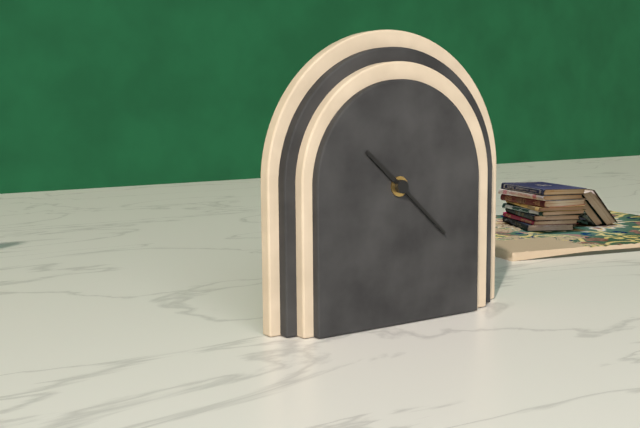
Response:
10.22
